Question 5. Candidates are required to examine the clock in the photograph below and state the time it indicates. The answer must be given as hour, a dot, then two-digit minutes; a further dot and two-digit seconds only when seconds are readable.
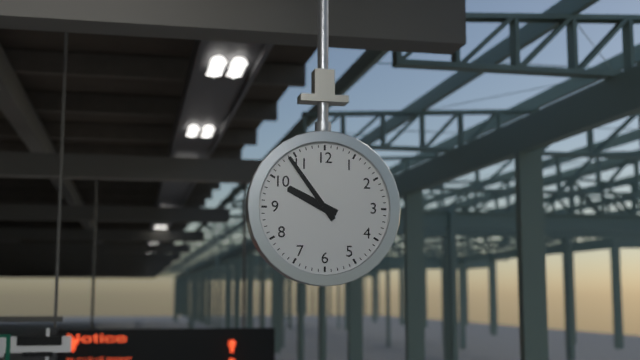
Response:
9.54
